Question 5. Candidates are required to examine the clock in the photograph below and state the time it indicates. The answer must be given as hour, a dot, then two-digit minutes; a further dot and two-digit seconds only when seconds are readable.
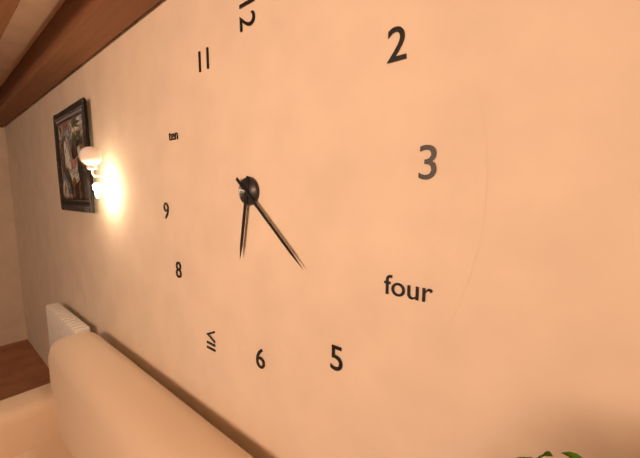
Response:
6.22
